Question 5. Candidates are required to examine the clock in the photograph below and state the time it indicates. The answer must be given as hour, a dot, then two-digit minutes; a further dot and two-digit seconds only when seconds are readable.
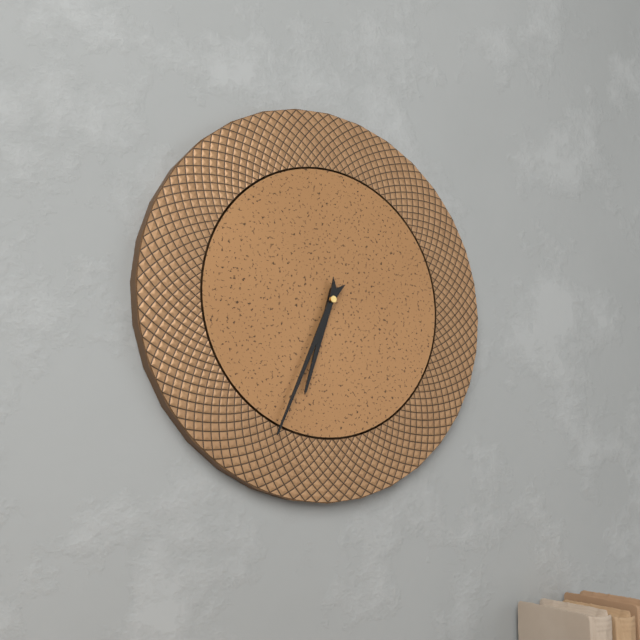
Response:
6.34
